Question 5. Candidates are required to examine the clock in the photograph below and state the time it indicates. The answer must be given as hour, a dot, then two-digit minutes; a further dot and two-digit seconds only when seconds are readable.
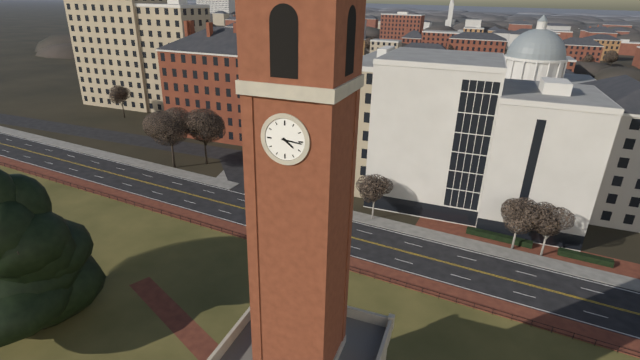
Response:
4.16
